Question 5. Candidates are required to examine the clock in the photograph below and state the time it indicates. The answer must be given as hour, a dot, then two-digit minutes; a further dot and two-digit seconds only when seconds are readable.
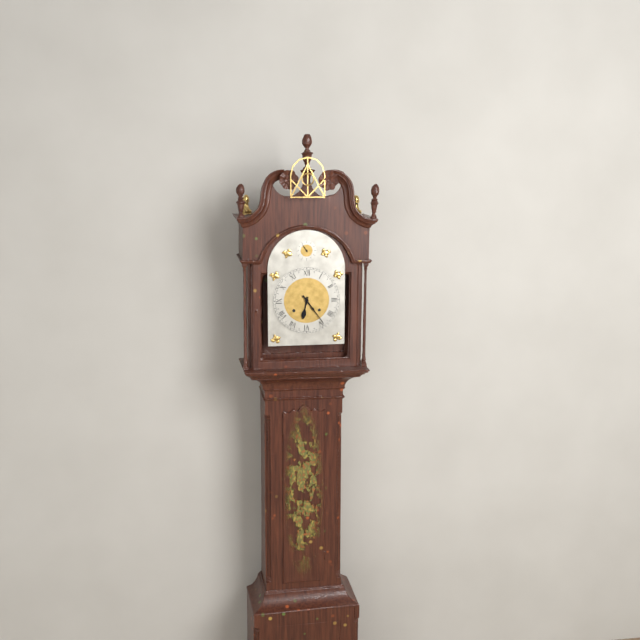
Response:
6.24
